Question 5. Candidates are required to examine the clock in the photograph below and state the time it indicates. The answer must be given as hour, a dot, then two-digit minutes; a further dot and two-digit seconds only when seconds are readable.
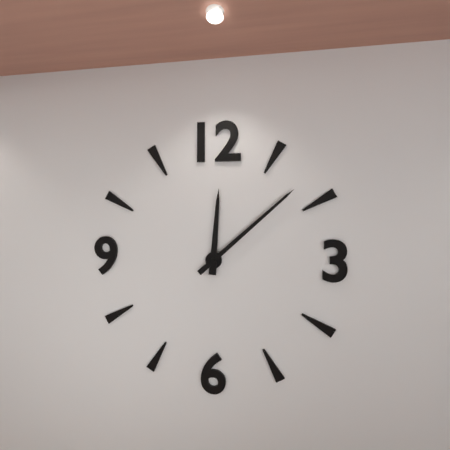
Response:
12.08
